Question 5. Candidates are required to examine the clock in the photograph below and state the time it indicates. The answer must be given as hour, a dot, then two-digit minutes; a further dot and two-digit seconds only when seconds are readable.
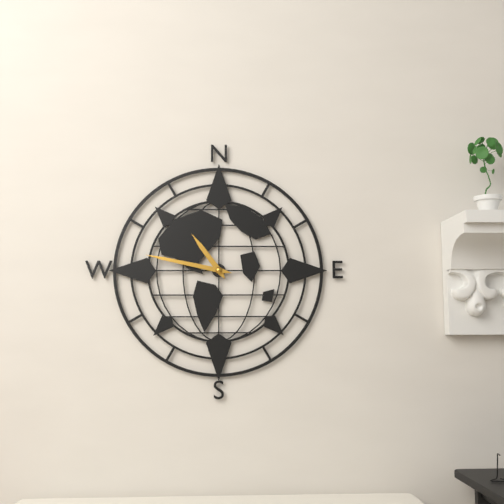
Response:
10.47
